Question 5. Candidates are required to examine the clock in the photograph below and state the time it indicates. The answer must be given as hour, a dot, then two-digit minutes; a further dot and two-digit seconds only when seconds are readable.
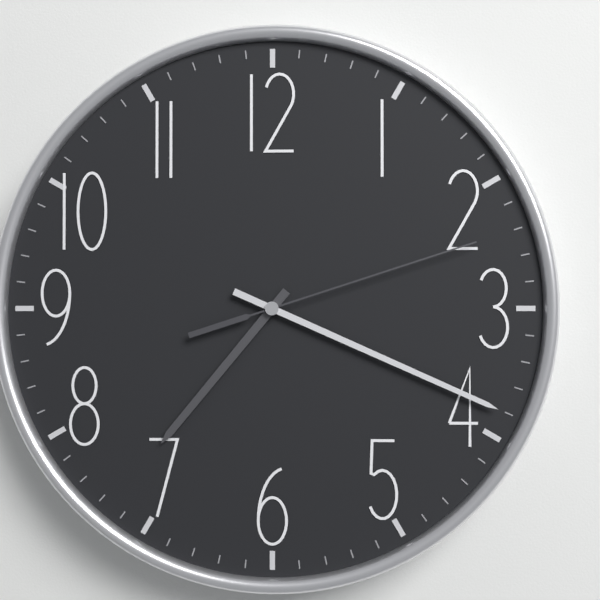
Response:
7.19.12
